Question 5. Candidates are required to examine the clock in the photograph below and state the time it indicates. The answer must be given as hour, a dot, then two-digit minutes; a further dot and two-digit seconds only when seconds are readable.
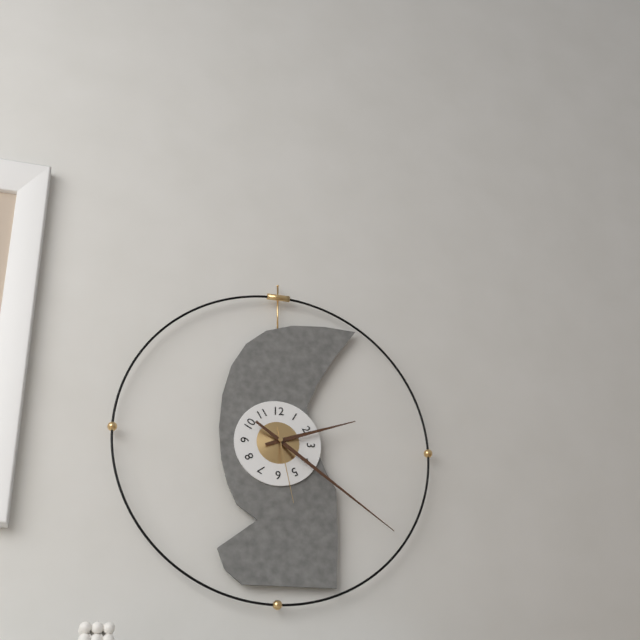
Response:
2.21.28
